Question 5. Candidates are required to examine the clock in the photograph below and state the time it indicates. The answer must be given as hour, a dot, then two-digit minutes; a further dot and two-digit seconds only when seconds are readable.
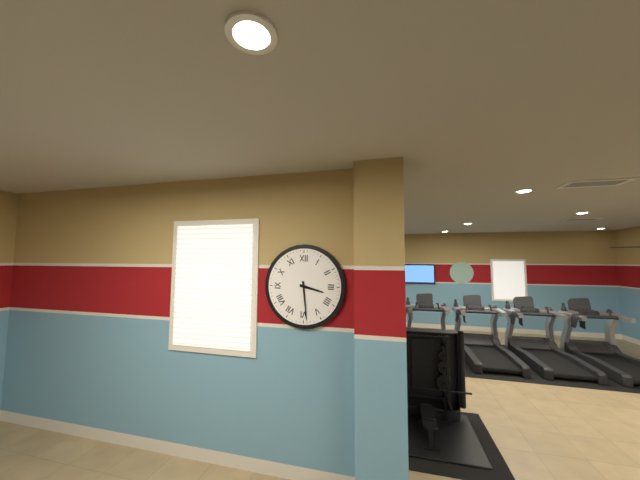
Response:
3.29
